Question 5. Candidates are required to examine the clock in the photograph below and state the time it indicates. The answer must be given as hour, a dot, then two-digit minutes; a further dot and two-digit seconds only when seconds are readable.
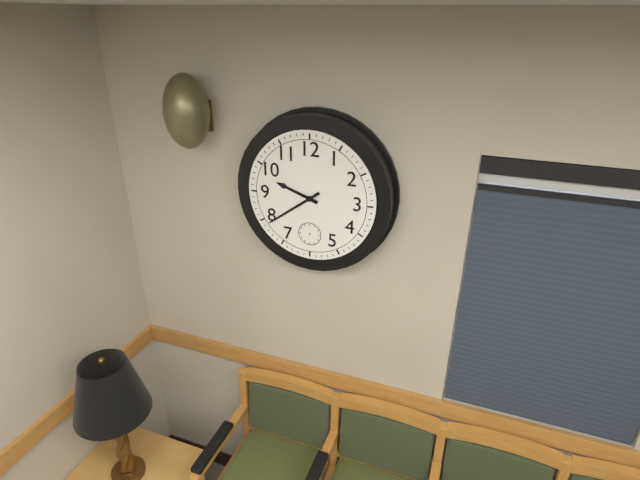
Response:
9.39
